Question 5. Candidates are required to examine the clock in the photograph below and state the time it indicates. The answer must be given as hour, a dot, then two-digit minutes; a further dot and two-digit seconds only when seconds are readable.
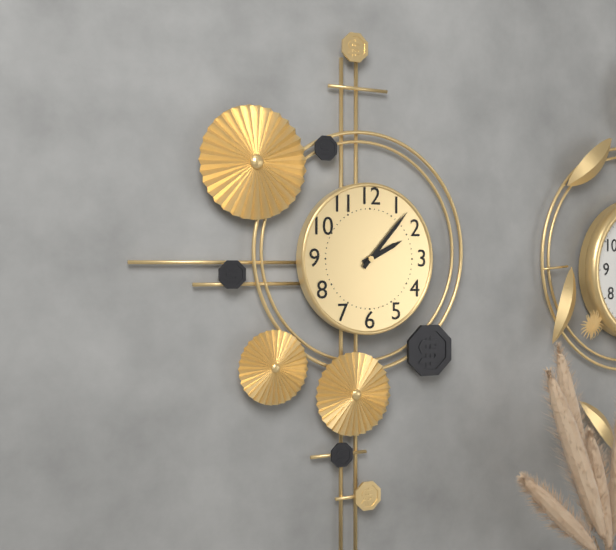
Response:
2.07
